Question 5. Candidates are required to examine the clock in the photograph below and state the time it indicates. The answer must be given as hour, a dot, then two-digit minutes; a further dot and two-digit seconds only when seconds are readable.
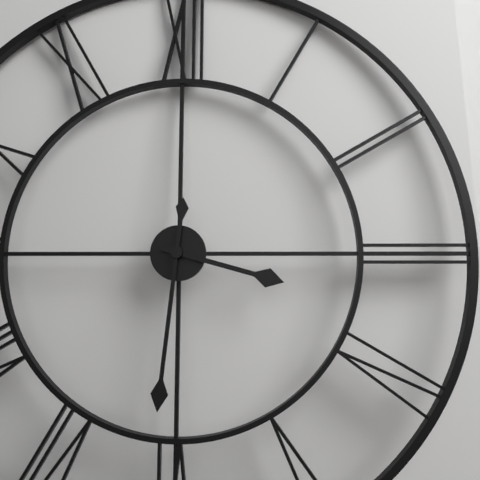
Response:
3.31
